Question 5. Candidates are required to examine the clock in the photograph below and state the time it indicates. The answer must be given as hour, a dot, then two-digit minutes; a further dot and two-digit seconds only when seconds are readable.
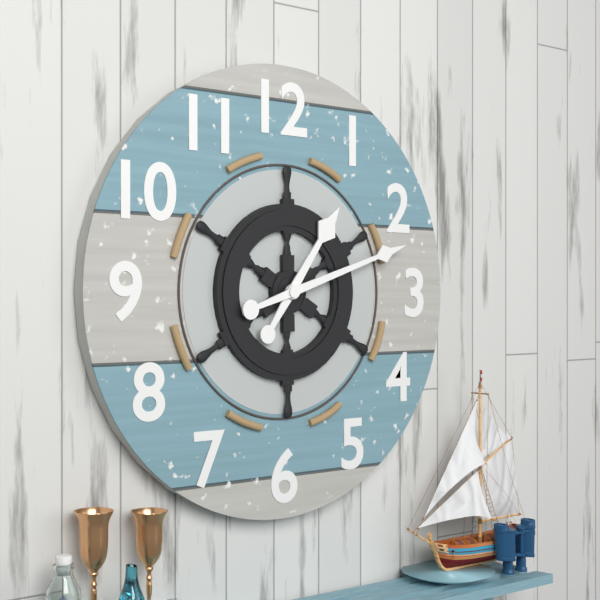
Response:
1.12
